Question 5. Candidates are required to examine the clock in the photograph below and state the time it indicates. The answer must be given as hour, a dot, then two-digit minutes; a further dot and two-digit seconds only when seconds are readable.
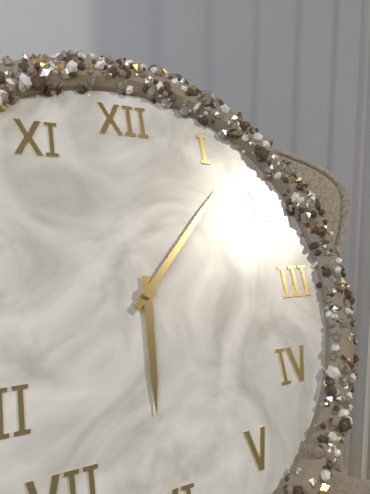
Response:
6.07
